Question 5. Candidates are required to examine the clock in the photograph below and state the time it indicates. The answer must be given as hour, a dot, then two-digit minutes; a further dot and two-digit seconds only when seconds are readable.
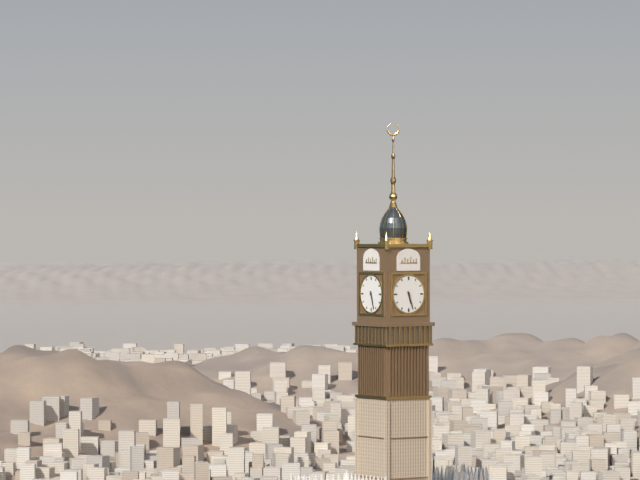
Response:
5.27
